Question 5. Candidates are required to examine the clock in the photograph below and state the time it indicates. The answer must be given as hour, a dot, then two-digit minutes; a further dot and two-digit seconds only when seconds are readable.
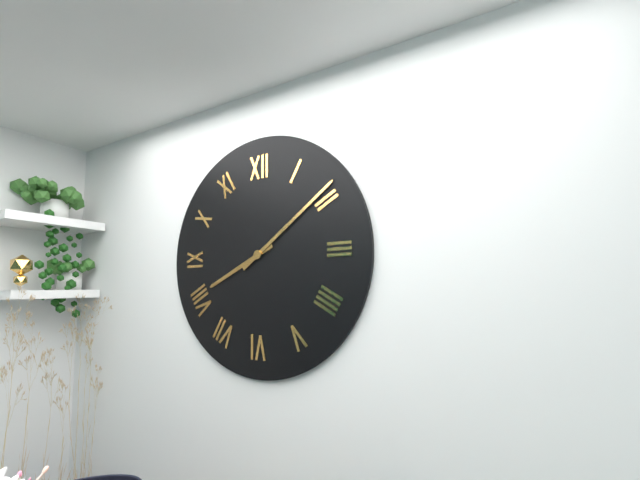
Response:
8.09
